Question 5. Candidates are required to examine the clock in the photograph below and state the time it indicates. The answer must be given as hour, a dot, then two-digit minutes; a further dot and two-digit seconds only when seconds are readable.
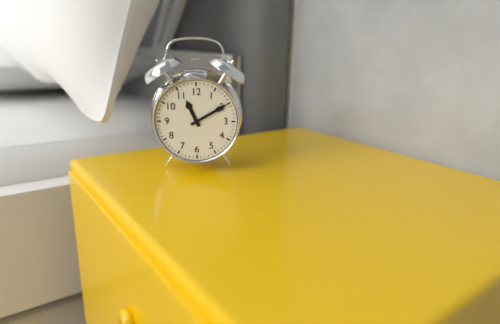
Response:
11.10
